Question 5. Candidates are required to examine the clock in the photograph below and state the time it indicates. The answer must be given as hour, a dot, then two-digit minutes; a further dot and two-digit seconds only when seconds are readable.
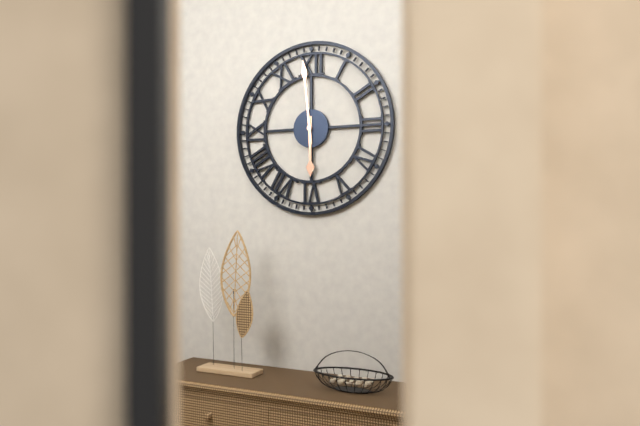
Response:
5.59
